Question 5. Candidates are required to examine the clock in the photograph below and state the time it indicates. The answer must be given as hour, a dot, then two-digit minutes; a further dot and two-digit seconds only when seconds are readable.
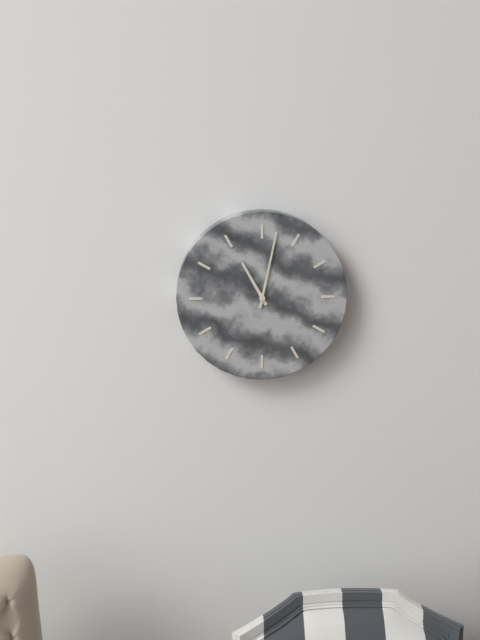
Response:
11.02
